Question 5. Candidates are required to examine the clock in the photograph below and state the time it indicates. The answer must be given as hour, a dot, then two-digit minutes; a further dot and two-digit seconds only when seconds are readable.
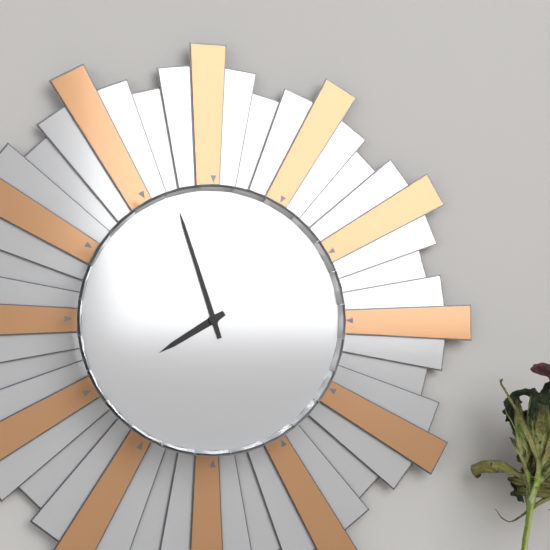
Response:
7.57
